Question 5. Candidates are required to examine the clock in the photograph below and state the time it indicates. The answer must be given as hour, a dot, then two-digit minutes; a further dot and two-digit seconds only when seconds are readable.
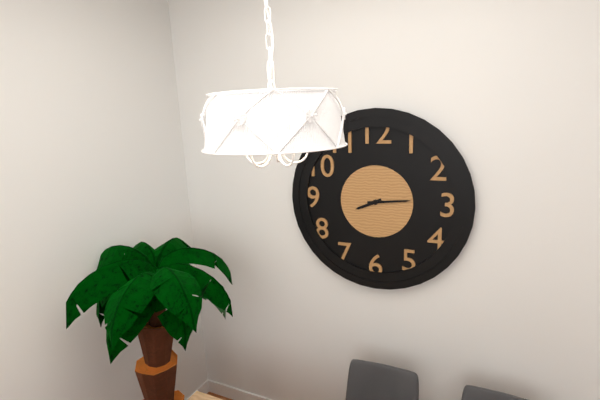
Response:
8.14
